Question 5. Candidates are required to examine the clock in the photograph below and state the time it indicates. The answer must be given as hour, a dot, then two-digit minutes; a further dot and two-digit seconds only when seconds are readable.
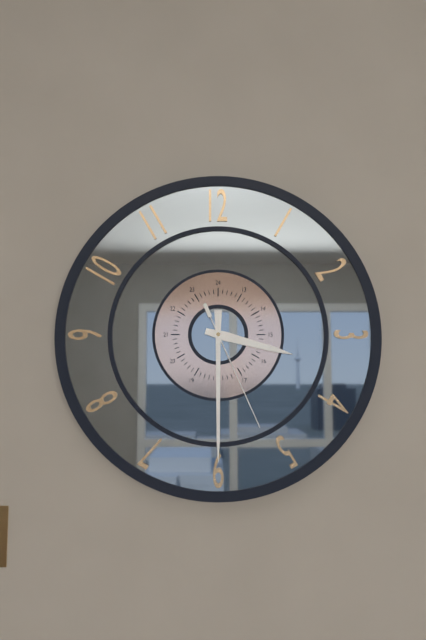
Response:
3.30.26
